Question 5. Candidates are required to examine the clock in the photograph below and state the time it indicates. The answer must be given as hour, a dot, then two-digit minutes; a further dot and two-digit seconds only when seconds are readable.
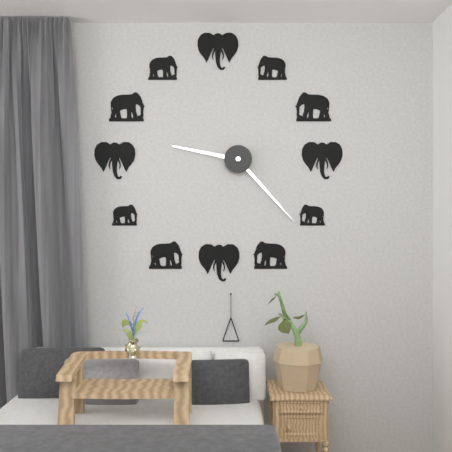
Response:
9.23
